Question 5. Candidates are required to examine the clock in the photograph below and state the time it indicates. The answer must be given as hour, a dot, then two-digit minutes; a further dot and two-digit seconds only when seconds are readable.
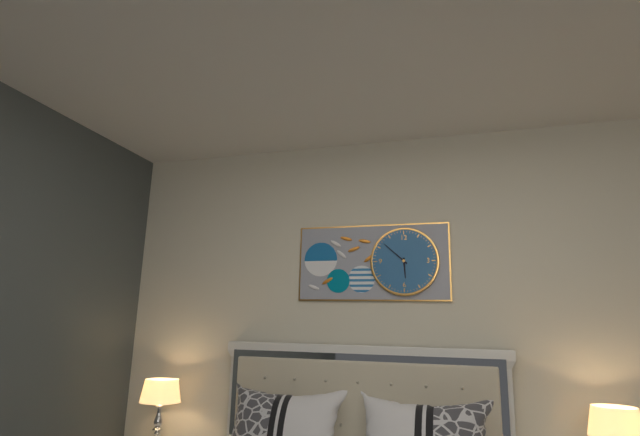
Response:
5.52
